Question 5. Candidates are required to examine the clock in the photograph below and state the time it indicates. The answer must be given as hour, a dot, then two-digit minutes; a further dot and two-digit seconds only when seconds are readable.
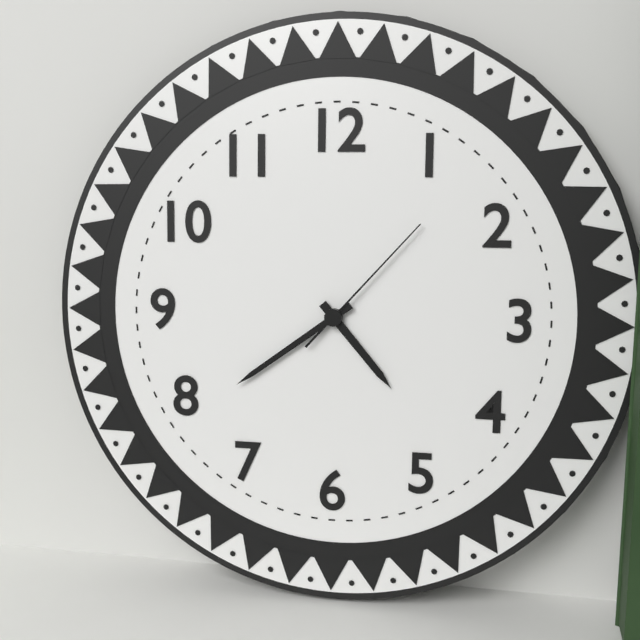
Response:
4.39.07
